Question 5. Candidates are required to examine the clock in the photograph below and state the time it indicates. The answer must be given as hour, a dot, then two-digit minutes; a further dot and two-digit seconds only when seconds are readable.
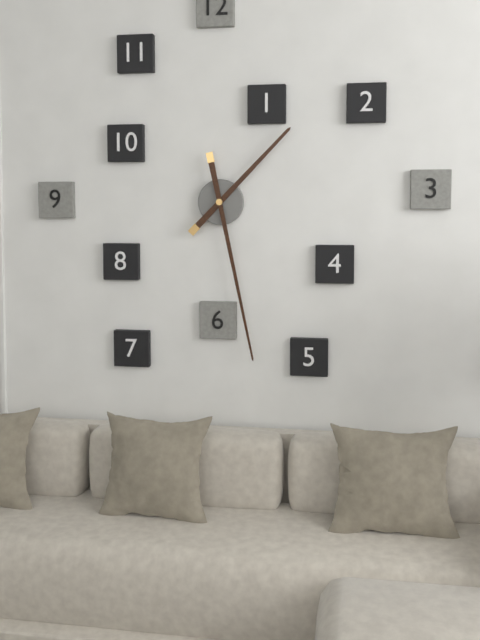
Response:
1.28
